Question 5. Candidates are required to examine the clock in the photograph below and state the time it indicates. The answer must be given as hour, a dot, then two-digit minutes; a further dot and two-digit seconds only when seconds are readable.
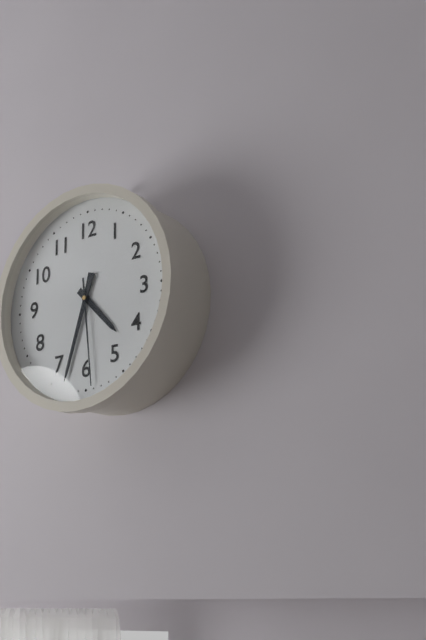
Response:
4.33.29
